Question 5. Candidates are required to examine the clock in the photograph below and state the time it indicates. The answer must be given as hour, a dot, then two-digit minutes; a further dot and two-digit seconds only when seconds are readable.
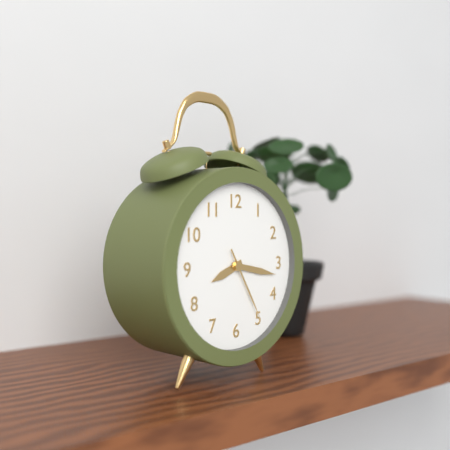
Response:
8.17.25
